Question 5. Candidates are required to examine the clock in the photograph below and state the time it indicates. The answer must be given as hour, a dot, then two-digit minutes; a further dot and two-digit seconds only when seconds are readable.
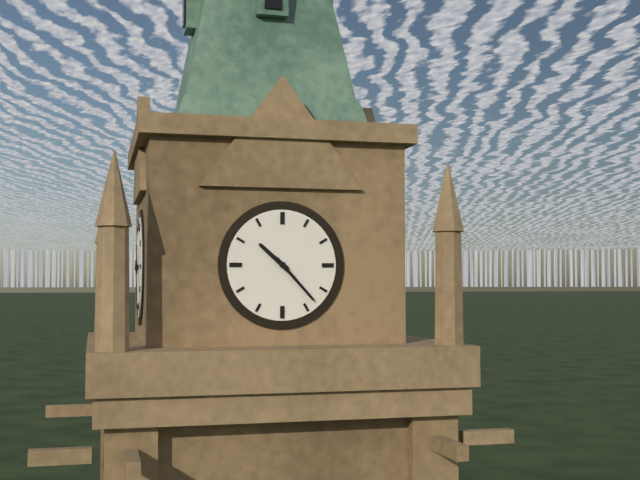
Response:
10.23
